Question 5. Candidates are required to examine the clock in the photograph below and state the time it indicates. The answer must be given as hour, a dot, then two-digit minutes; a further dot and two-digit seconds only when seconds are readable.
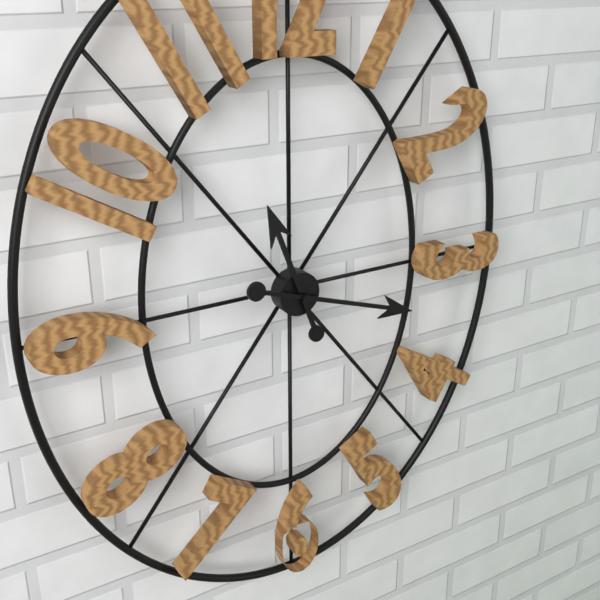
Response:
11.18
